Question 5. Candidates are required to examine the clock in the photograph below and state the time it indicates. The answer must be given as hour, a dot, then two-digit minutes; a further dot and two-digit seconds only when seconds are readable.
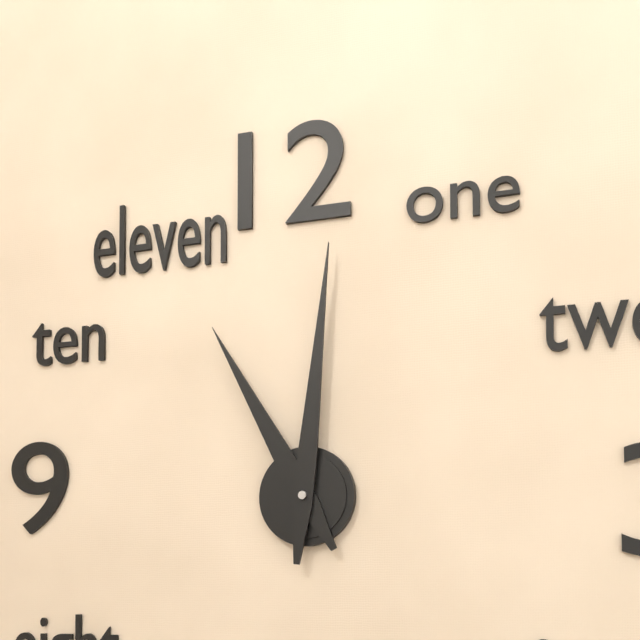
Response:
11.01
